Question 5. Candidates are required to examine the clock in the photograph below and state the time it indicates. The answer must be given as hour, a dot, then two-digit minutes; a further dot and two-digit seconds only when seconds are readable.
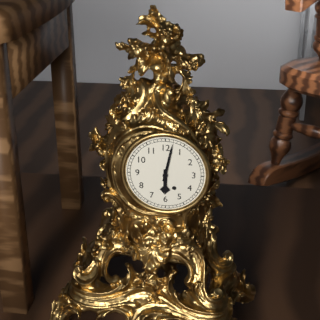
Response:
6.02
